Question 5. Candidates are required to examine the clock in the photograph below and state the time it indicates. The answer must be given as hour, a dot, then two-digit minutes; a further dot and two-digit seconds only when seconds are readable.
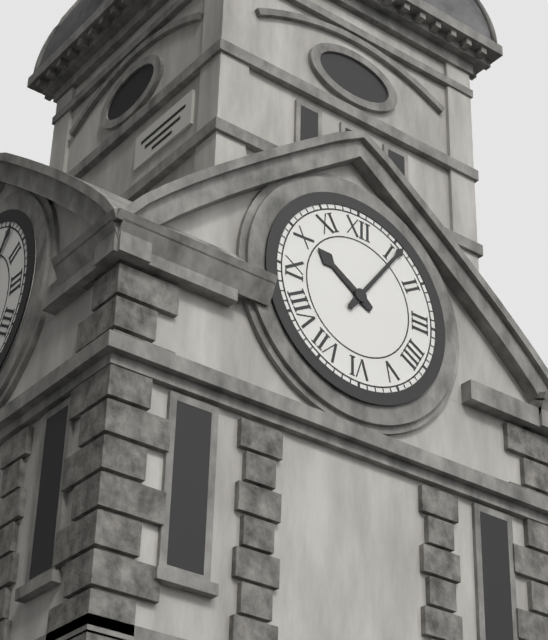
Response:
10.06
